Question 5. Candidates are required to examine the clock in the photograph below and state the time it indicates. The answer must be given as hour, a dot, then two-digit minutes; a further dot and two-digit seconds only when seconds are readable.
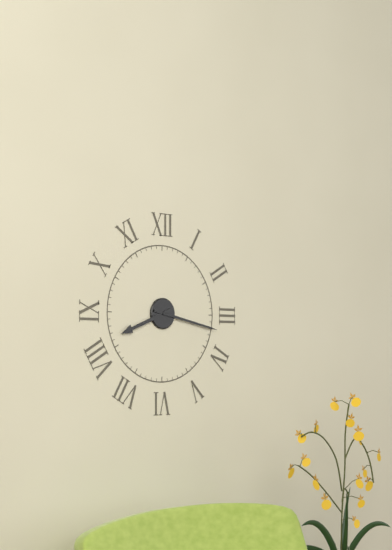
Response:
8.17
